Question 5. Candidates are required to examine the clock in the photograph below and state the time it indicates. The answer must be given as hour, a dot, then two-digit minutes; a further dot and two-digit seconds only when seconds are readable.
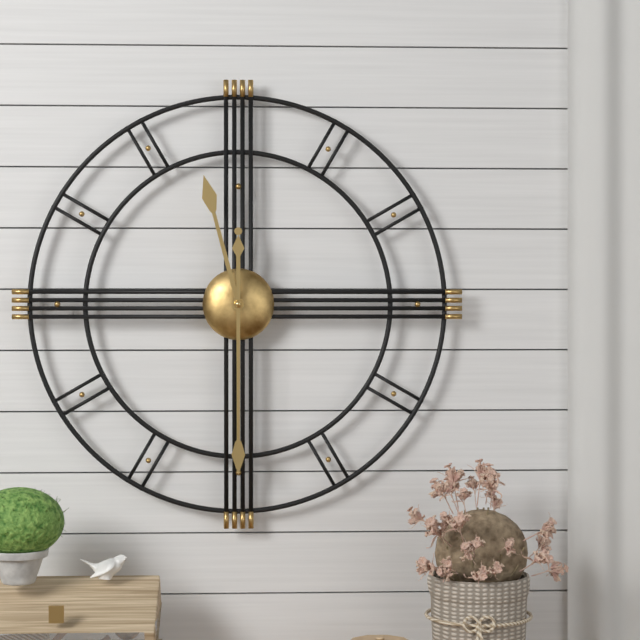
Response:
11.30
